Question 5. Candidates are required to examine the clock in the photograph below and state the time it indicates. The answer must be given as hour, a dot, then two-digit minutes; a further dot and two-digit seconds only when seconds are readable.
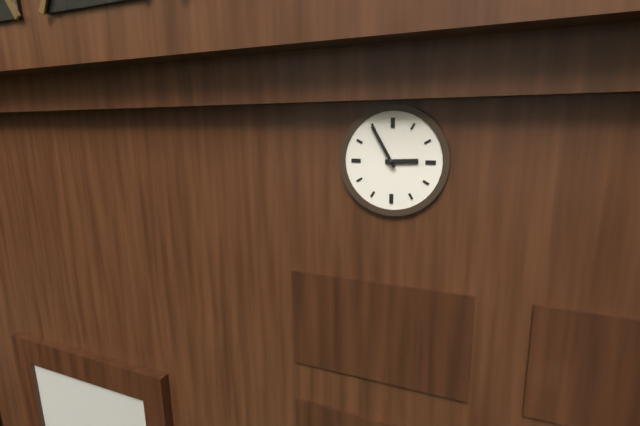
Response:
2.55
